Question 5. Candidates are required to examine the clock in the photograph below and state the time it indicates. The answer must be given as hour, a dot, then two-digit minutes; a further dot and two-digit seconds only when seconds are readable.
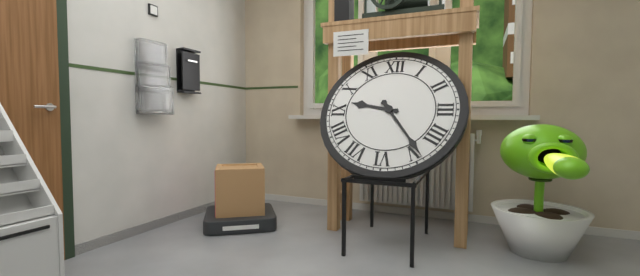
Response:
9.24
